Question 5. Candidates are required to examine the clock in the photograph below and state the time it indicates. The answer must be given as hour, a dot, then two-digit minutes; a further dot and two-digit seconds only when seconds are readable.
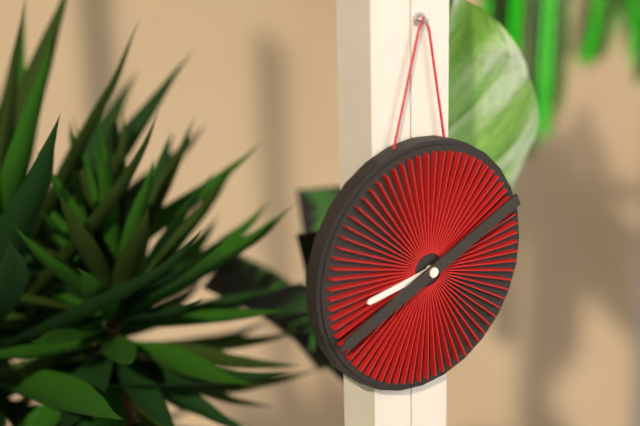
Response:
8.41.41
